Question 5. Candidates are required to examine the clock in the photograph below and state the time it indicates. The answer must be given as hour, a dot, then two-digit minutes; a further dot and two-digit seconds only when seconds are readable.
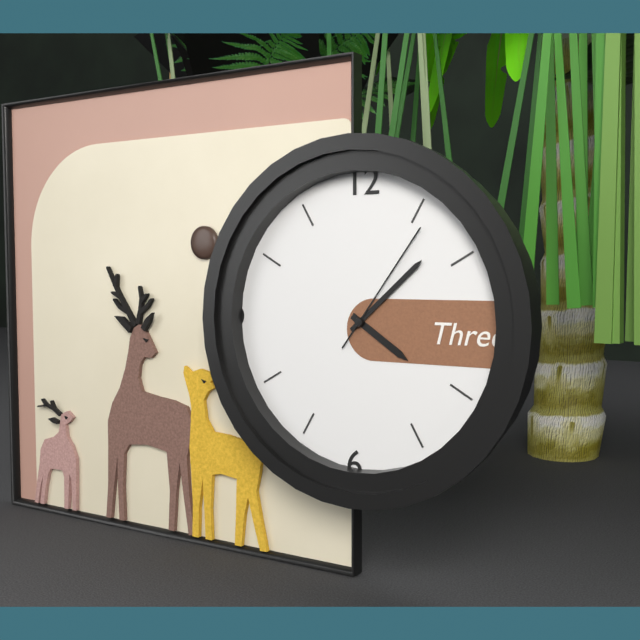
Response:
4.08.06
